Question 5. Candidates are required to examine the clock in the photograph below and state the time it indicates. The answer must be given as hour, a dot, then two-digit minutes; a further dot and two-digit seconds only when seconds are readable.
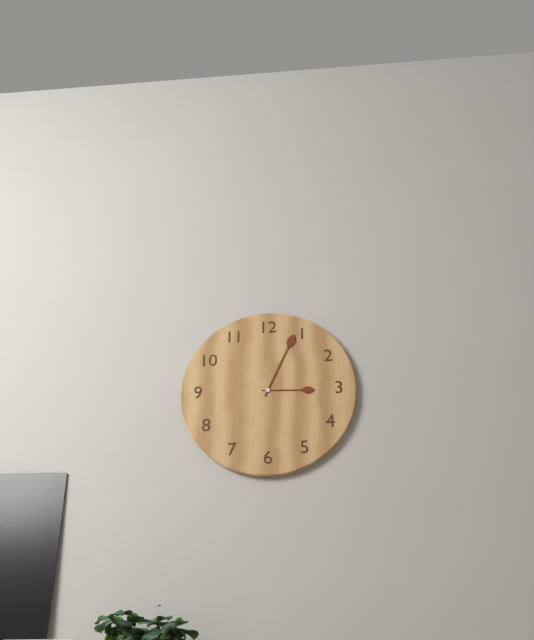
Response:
3.04
